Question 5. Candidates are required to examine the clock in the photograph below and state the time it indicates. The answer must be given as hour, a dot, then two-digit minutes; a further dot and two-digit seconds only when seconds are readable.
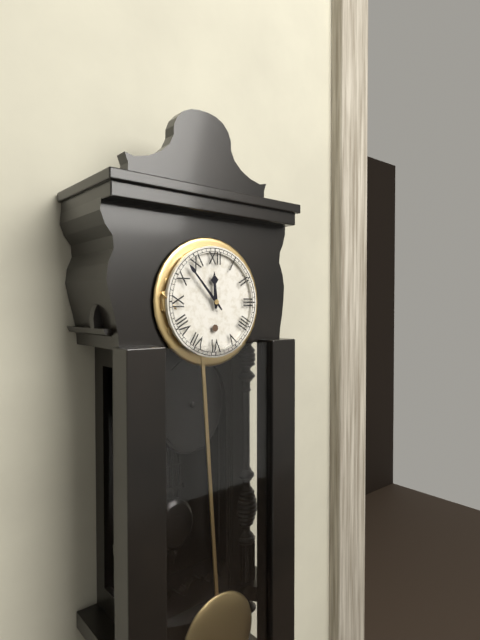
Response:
11.53
